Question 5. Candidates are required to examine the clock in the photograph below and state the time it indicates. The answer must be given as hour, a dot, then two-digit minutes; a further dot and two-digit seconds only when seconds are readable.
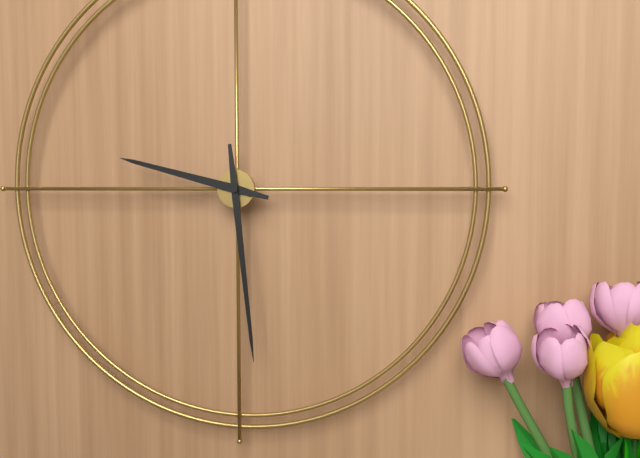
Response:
9.29
